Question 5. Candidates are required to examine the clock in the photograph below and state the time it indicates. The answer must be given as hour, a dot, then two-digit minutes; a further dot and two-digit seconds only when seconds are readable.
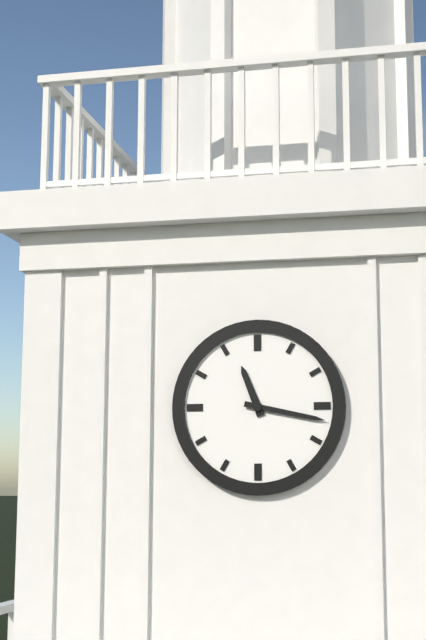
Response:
11.17
